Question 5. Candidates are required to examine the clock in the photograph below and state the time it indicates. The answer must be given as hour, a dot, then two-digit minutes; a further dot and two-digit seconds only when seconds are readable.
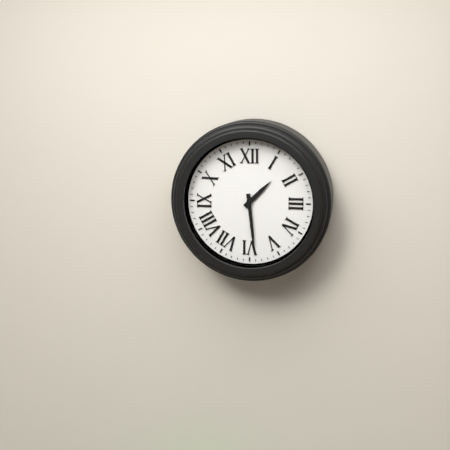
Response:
1.29
